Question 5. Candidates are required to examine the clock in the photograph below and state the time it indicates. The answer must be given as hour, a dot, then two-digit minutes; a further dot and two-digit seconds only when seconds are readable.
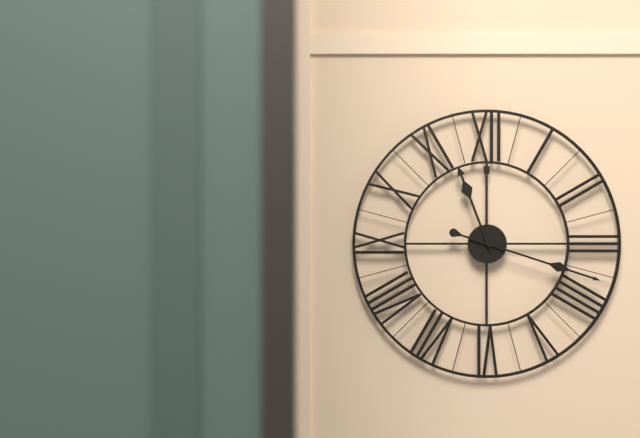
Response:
11.18
